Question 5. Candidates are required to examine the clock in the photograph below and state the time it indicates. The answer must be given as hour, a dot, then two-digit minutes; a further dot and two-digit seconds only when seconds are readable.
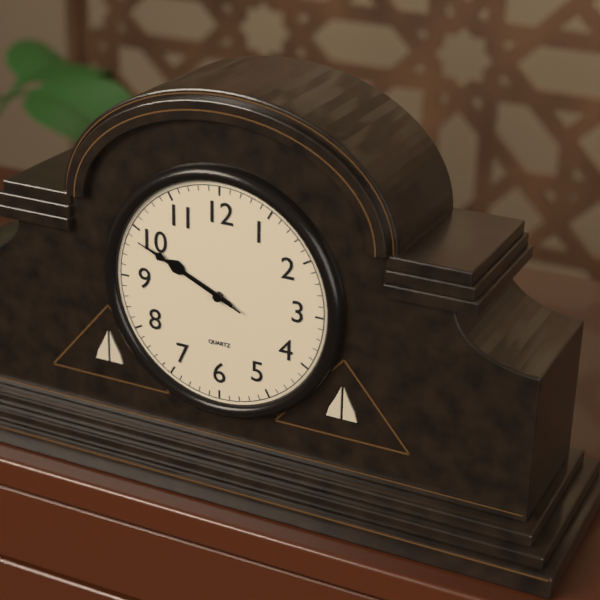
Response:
9.49.49
